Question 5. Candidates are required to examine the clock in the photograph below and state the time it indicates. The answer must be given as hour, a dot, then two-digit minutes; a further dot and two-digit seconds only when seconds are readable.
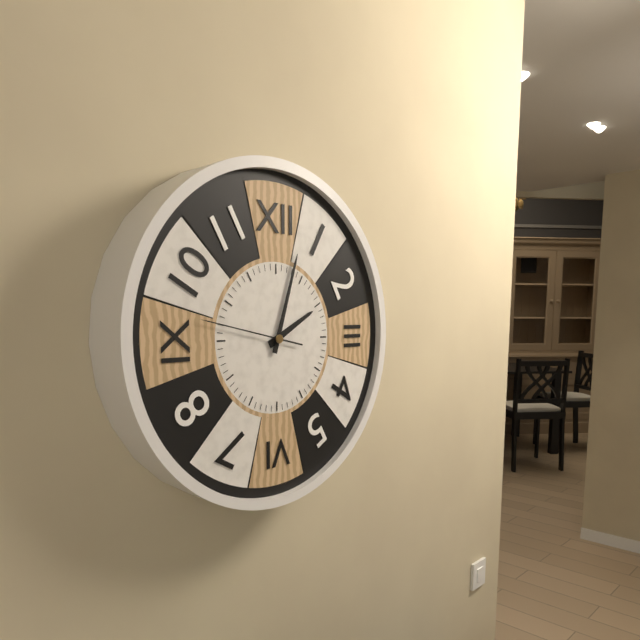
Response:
2.03.47
